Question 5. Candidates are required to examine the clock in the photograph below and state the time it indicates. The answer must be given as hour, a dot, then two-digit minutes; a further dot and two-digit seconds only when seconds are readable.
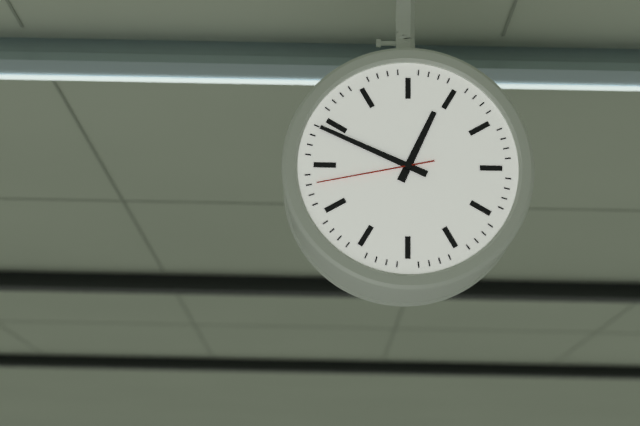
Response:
12.49.43
